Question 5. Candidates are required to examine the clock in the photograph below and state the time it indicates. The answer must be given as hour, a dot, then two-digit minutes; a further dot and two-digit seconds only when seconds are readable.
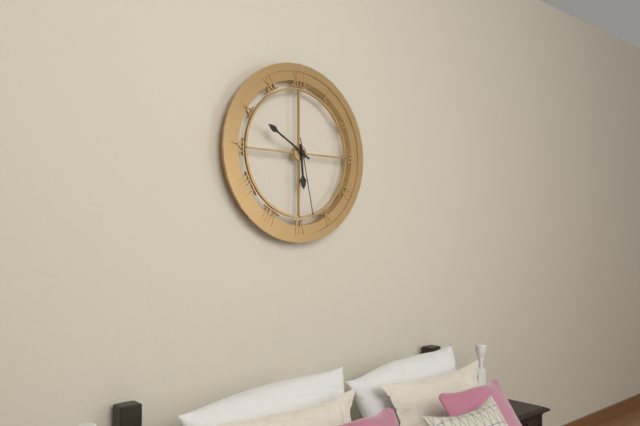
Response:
5.50.28
